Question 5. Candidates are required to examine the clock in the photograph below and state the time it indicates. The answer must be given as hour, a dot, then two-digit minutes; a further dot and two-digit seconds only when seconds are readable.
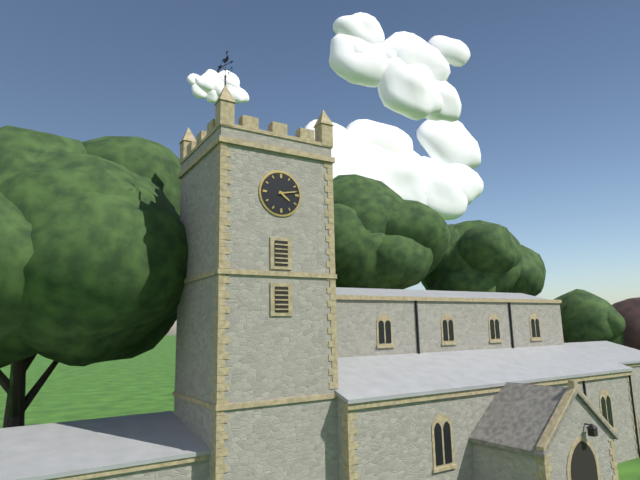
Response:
4.13
